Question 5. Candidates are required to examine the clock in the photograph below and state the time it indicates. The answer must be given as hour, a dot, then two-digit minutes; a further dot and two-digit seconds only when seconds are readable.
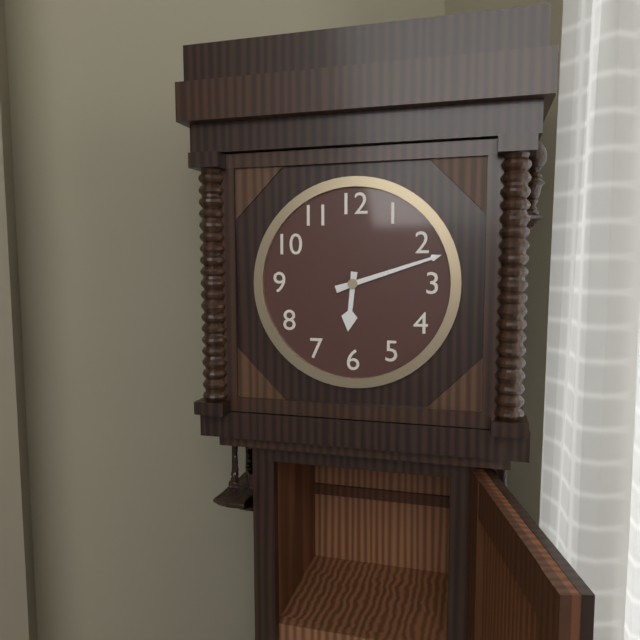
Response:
6.12
